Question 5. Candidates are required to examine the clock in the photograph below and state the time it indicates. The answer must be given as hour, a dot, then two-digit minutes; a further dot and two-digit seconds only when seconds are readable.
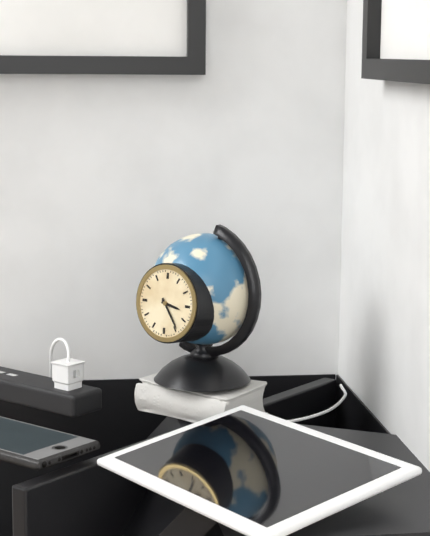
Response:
3.24
